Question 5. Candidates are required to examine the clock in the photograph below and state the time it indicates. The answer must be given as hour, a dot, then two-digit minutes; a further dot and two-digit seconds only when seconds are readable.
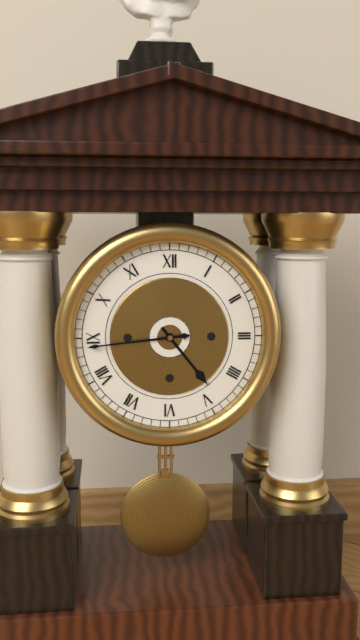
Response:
4.44
